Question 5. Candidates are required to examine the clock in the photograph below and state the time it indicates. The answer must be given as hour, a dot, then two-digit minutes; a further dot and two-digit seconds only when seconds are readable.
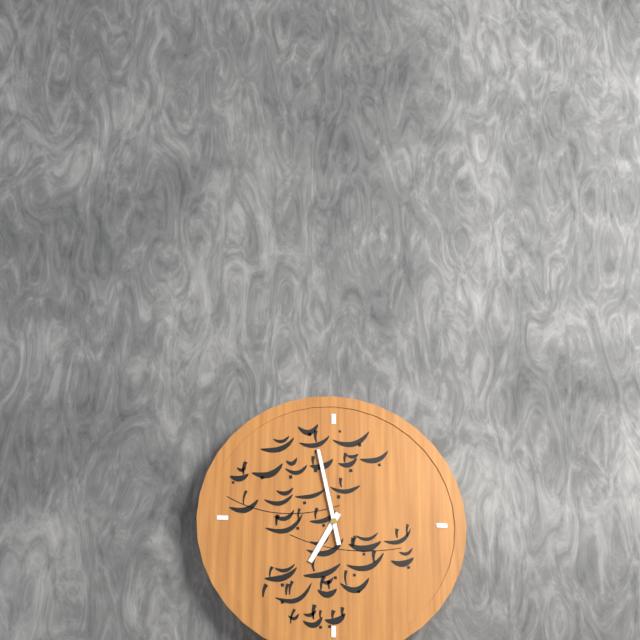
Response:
6.58
